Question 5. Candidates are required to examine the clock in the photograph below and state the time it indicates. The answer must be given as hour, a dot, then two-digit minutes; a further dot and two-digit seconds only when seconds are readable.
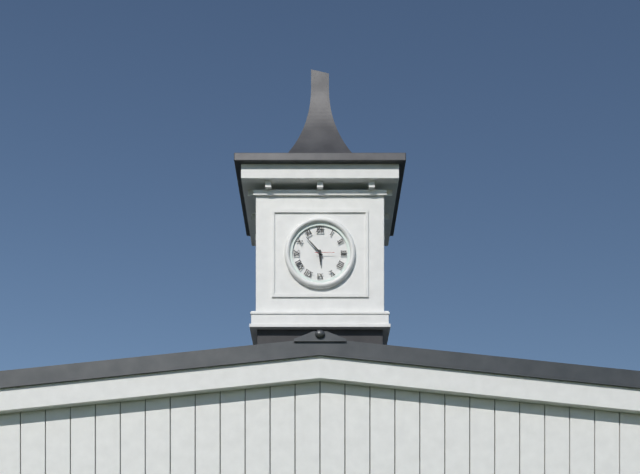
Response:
5.53
